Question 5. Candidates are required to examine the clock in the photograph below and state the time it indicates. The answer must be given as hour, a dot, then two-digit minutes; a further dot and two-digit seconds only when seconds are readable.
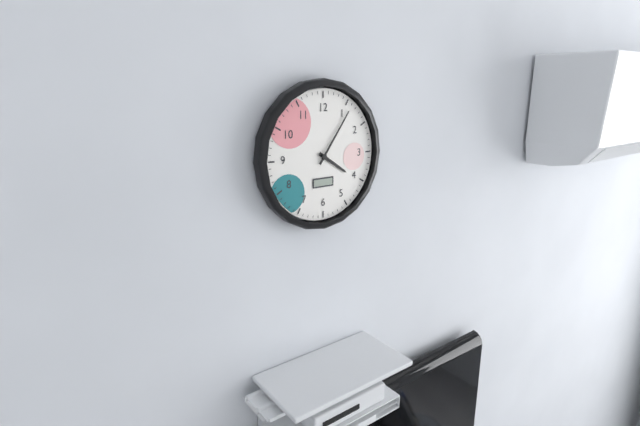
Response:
4.06
